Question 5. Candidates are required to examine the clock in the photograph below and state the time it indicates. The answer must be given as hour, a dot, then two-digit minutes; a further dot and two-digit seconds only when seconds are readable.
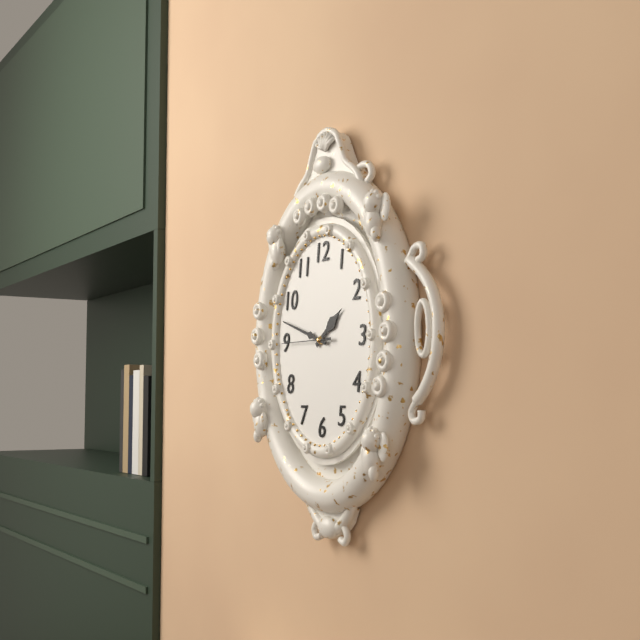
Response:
1.48
